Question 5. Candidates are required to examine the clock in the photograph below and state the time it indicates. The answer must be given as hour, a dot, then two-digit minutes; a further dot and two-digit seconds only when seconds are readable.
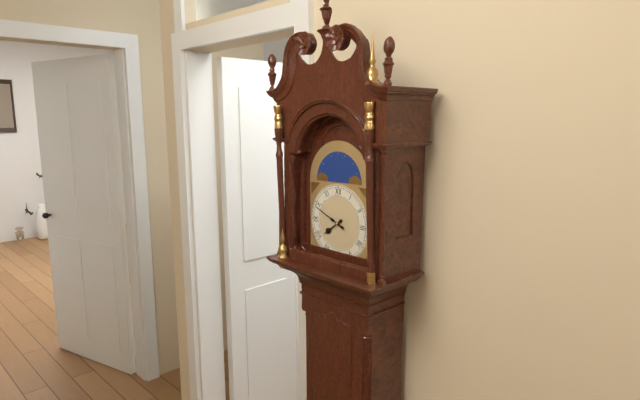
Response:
7.49
